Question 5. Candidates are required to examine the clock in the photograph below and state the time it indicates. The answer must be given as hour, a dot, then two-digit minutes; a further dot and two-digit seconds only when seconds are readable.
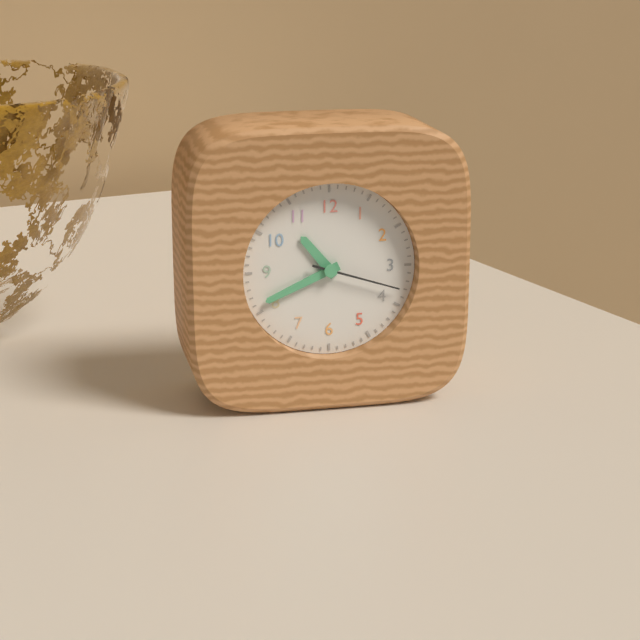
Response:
10.41.18
